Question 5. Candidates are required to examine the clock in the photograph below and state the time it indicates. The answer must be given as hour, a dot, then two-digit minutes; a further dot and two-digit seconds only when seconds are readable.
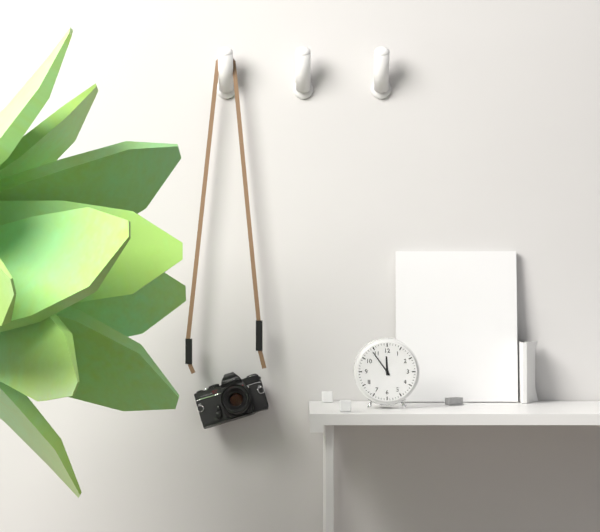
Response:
11.54
